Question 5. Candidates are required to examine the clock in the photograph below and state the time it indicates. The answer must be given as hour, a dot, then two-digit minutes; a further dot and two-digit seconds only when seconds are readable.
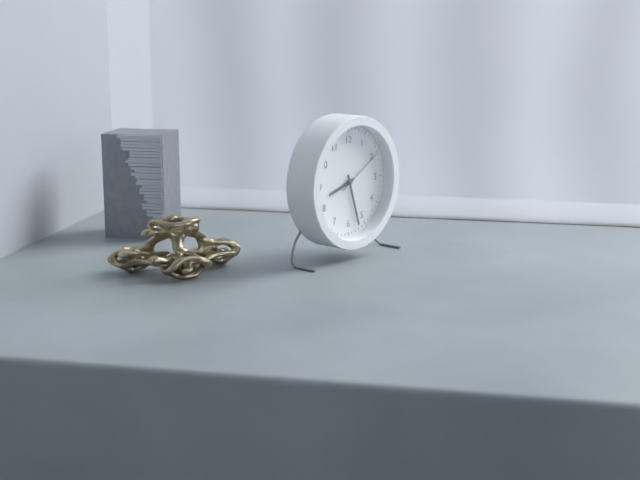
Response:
8.27.10
